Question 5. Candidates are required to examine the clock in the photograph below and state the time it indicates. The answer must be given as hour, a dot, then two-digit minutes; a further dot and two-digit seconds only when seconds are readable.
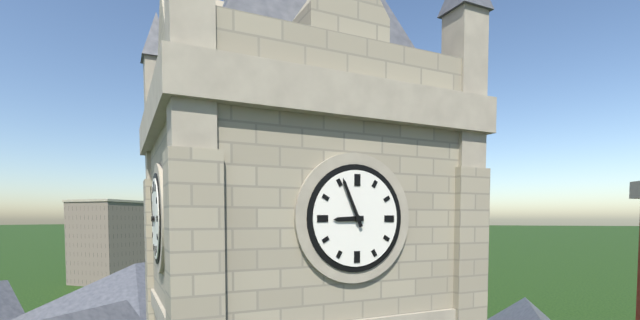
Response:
8.56
